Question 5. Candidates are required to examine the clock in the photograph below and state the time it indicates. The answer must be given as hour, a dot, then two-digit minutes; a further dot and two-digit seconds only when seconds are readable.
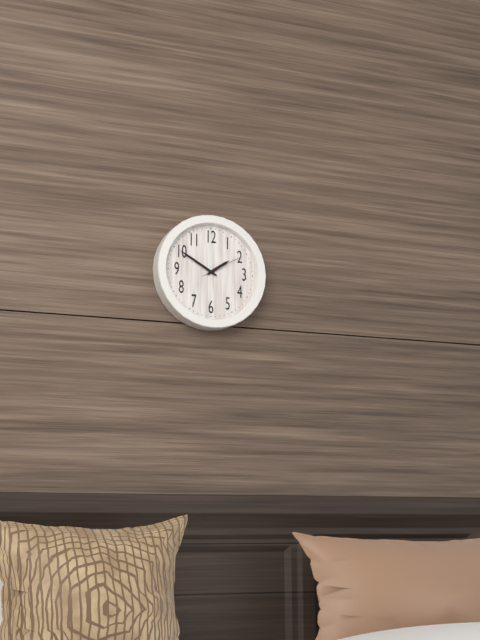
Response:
1.50
